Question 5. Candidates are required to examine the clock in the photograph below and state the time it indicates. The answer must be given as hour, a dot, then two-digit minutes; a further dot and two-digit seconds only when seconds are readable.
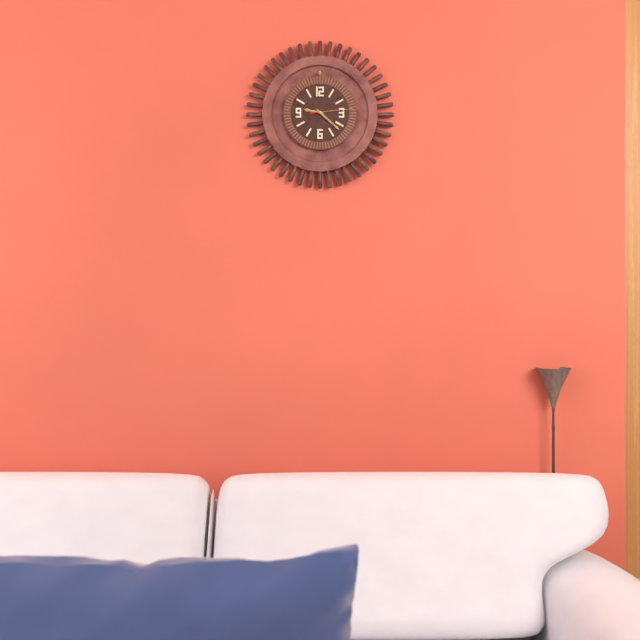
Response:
9.22
